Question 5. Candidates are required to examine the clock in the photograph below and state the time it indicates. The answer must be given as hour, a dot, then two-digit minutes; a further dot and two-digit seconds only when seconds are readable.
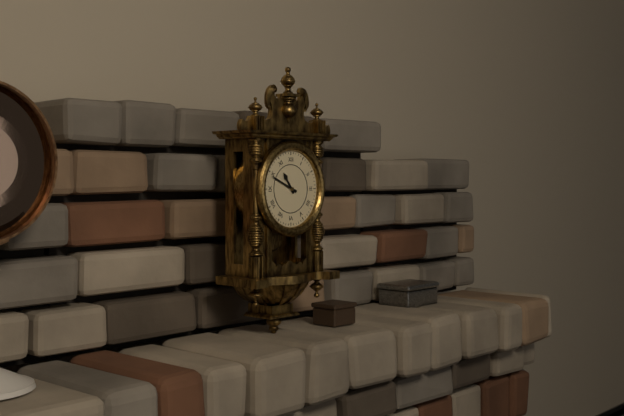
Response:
10.49
